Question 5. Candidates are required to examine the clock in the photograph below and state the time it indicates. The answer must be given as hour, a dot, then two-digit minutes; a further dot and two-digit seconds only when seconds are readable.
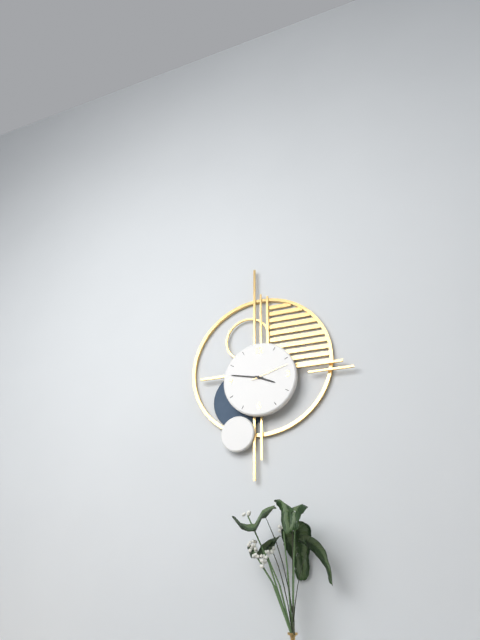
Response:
3.47
